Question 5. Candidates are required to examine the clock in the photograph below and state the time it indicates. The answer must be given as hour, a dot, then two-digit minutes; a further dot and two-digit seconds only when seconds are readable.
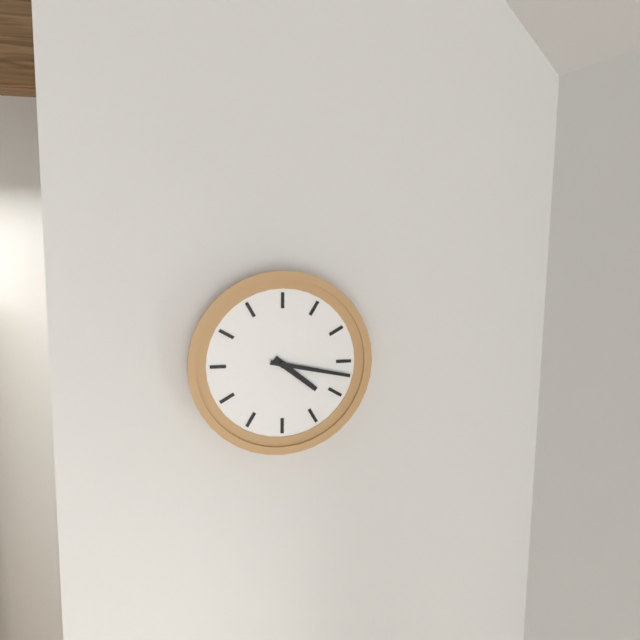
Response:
4.17
